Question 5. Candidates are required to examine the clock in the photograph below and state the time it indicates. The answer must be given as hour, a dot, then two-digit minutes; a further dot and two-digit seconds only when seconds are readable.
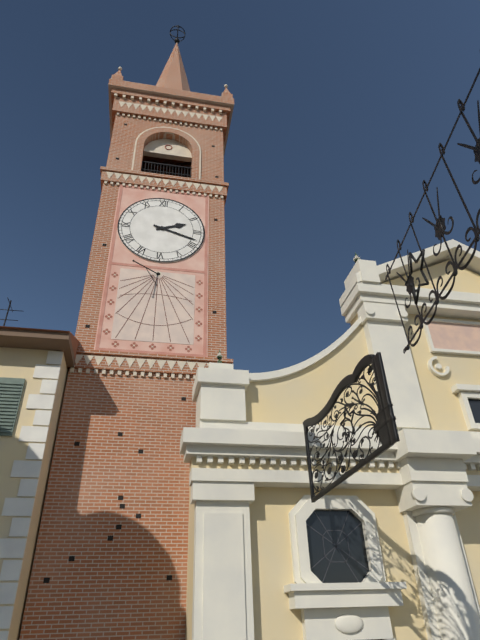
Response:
2.18
